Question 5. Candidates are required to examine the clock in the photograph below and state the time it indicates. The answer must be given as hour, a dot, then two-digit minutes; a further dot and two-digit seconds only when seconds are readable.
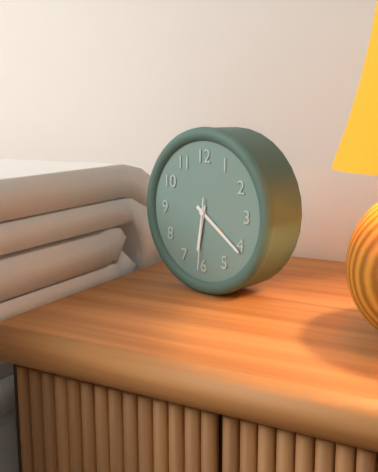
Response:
6.21.31
